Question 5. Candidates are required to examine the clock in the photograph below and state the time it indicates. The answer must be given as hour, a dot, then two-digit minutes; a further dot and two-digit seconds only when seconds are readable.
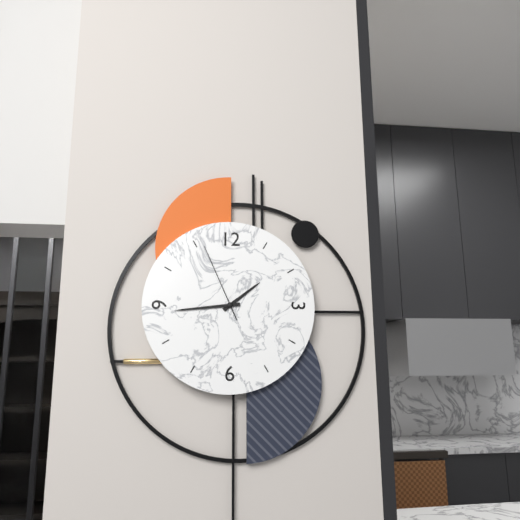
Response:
1.44.56
